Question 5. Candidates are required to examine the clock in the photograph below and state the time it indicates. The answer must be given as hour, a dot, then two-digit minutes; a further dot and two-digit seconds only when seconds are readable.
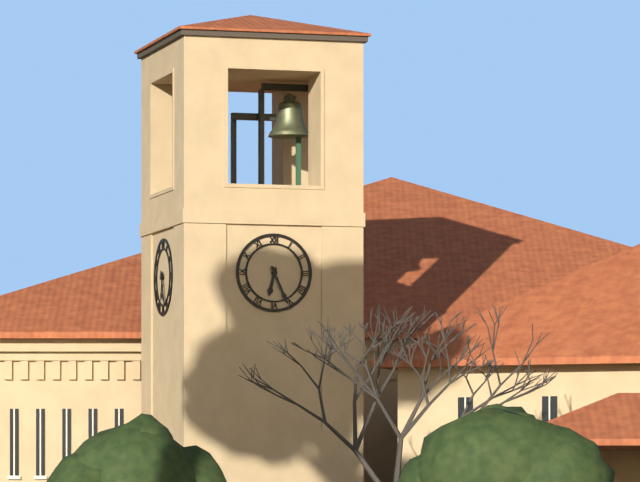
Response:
6.26
